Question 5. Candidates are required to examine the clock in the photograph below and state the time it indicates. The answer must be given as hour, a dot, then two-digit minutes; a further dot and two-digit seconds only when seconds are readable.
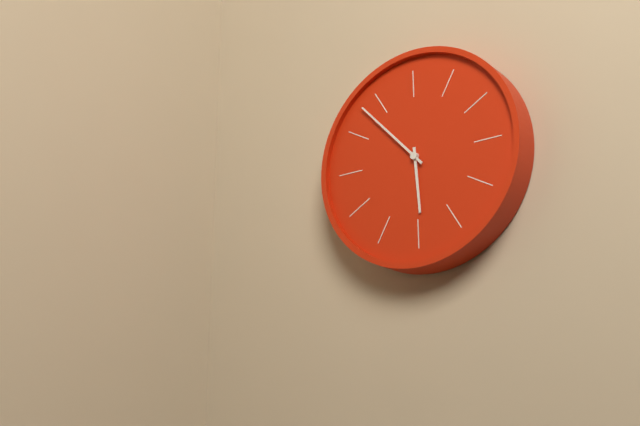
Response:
5.53
